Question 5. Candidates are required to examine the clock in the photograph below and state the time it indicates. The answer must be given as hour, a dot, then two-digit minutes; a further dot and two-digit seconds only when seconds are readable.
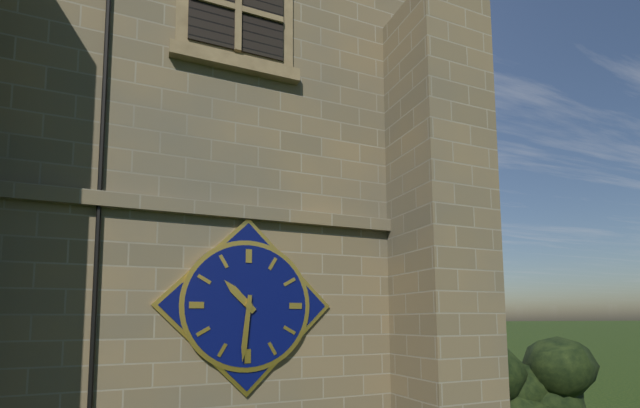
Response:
10.31
